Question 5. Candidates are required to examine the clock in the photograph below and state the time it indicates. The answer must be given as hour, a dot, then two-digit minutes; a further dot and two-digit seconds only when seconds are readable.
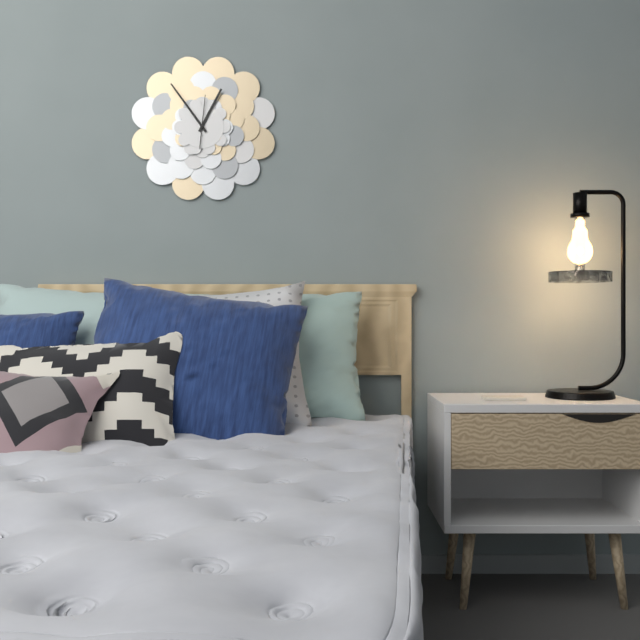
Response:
12.54
